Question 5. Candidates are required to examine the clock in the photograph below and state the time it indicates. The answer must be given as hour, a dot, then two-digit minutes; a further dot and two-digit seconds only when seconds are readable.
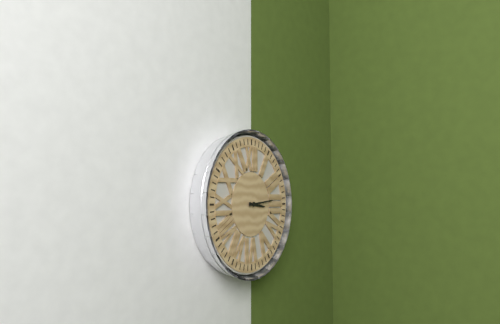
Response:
3.14
